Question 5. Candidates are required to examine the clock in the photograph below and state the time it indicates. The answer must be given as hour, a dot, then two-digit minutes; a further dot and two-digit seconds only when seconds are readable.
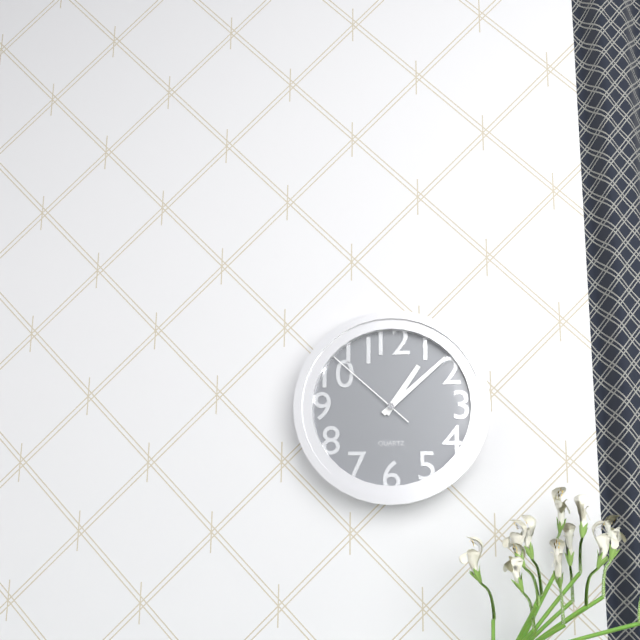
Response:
1.08.52
